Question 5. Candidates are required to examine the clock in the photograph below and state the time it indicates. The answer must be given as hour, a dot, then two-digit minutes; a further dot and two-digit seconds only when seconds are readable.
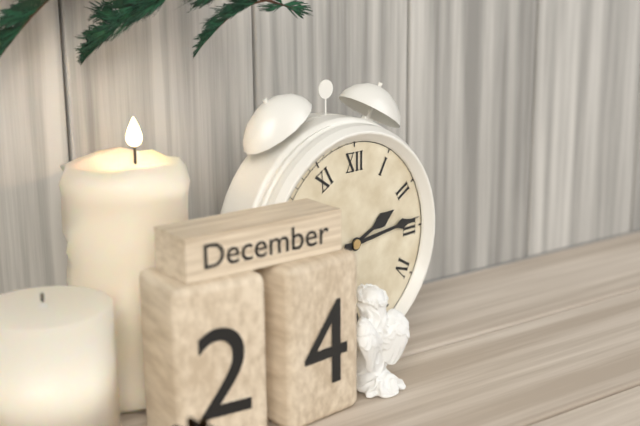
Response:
2.14
